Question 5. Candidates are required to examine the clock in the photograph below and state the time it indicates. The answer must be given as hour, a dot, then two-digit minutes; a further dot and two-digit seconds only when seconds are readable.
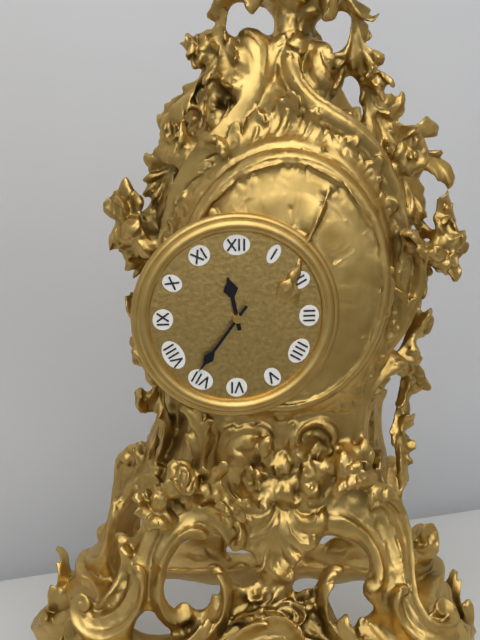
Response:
11.36
